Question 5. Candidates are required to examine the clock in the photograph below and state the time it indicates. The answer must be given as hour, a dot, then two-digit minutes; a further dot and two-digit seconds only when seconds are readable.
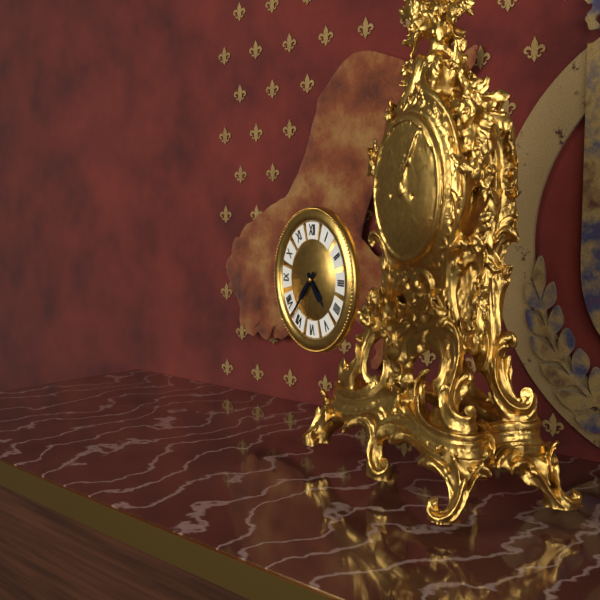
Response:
4.37
